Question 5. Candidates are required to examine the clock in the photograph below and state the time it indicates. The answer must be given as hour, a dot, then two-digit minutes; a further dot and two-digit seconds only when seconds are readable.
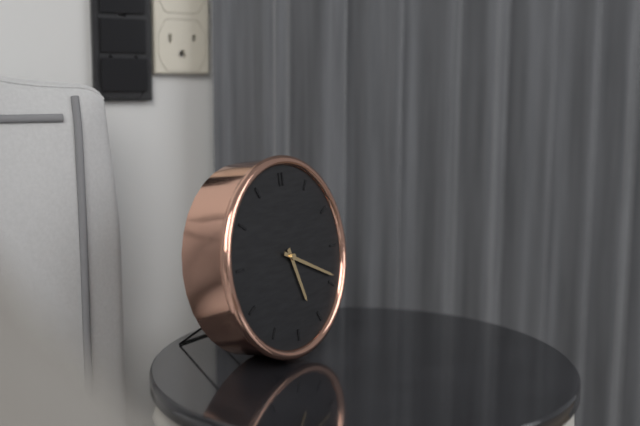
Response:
5.19
